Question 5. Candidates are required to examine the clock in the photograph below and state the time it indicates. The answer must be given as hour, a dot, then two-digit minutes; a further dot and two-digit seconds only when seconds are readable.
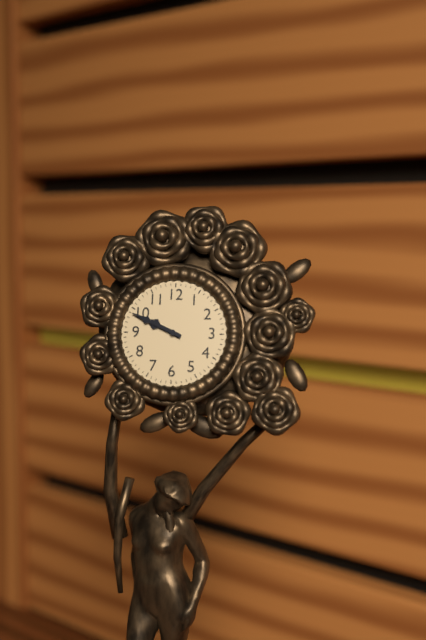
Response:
9.49
